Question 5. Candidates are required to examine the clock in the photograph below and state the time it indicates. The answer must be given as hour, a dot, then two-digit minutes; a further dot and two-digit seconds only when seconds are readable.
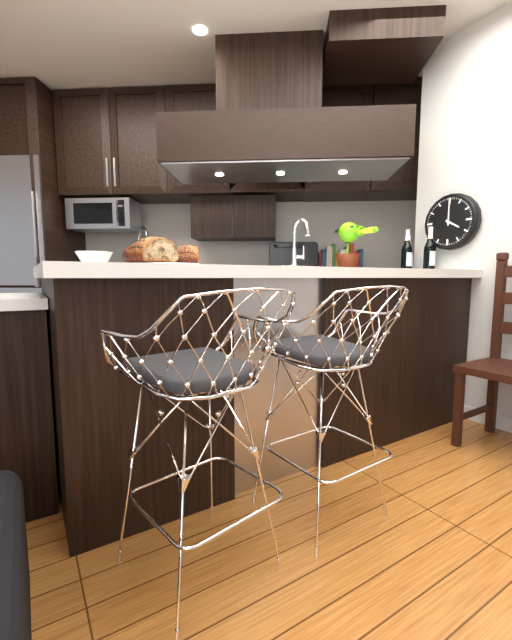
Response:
4.00
